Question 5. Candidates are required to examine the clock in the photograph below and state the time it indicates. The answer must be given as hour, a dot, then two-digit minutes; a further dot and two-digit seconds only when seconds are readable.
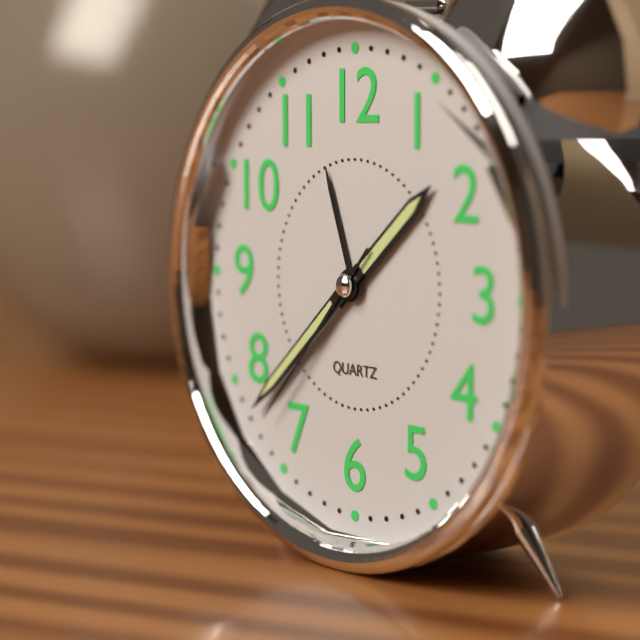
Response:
1.38.37
